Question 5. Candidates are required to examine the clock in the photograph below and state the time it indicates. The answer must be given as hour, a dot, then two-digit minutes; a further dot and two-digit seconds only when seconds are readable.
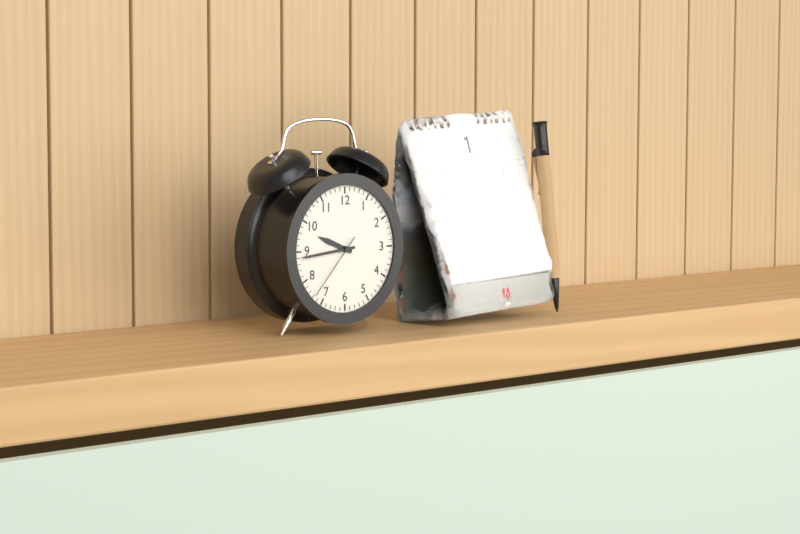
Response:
9.44.37
